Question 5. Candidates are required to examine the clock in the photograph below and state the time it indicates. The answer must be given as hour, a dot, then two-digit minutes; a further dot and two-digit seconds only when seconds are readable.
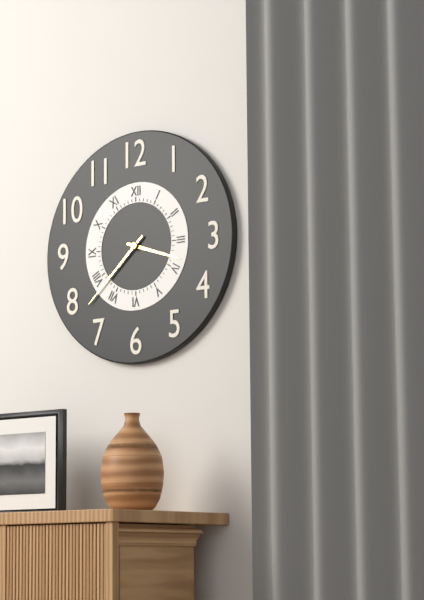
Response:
3.38
